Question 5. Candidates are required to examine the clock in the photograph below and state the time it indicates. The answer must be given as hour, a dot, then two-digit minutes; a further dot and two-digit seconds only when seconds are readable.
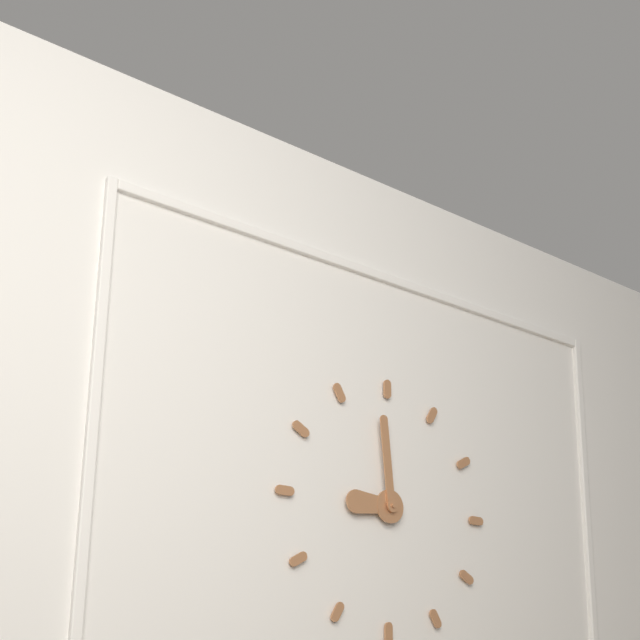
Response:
8.59
